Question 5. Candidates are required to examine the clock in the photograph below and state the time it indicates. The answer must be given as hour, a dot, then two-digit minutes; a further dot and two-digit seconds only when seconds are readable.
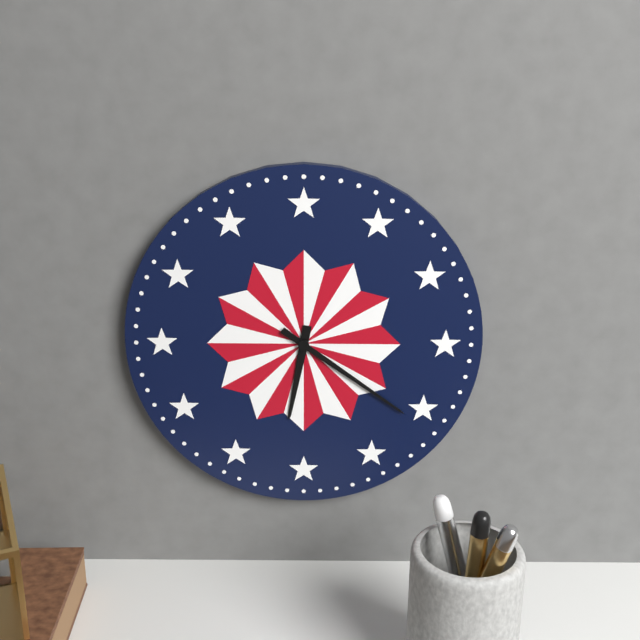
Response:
6.21
